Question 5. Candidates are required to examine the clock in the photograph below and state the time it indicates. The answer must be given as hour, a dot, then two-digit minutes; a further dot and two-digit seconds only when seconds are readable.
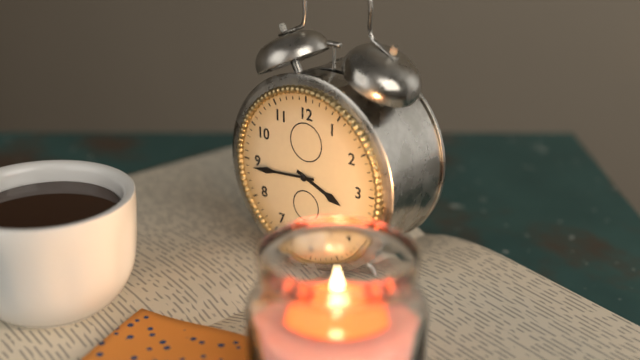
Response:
3.44
